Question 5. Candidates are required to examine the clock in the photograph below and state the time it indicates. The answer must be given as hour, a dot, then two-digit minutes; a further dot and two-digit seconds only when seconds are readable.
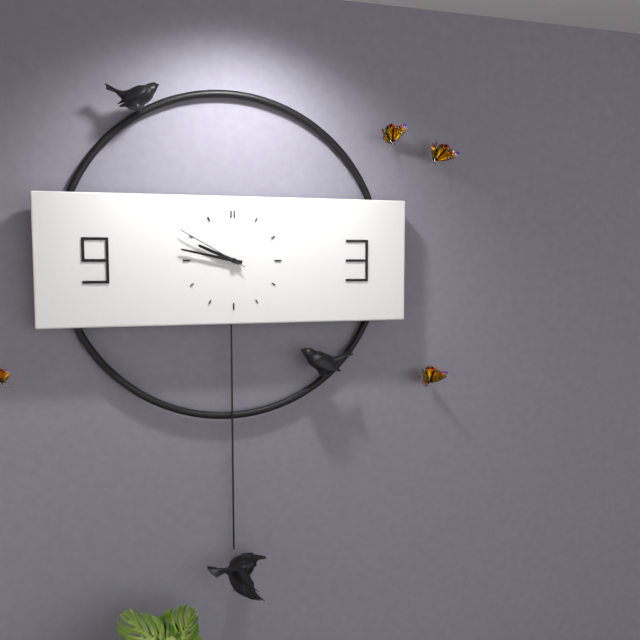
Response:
9.47.50
